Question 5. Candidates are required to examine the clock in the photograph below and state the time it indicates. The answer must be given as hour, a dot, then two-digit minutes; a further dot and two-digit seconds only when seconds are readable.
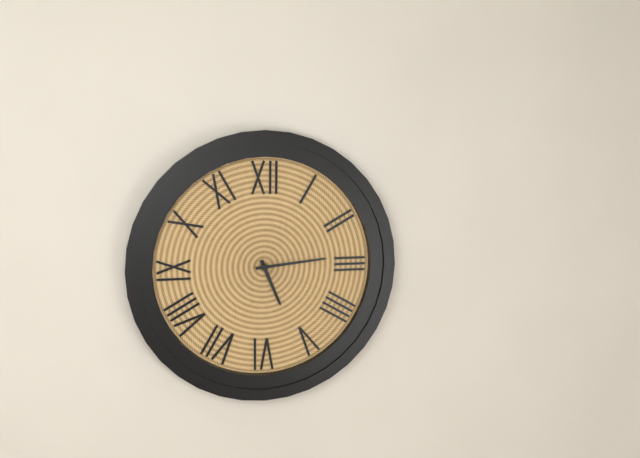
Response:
5.14
